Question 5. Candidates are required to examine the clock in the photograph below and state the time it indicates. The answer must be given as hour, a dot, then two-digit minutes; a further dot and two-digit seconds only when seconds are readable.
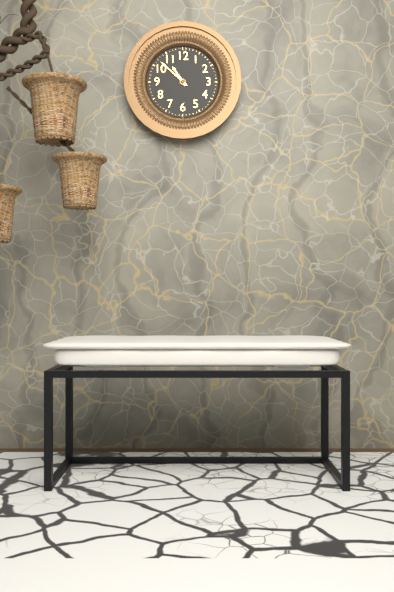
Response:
10.52
